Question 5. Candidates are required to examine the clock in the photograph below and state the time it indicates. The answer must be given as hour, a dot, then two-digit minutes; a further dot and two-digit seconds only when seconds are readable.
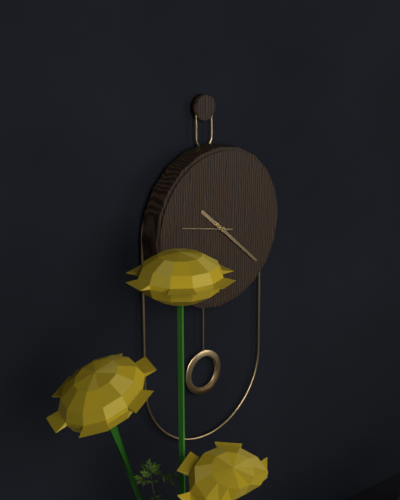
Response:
10.22
